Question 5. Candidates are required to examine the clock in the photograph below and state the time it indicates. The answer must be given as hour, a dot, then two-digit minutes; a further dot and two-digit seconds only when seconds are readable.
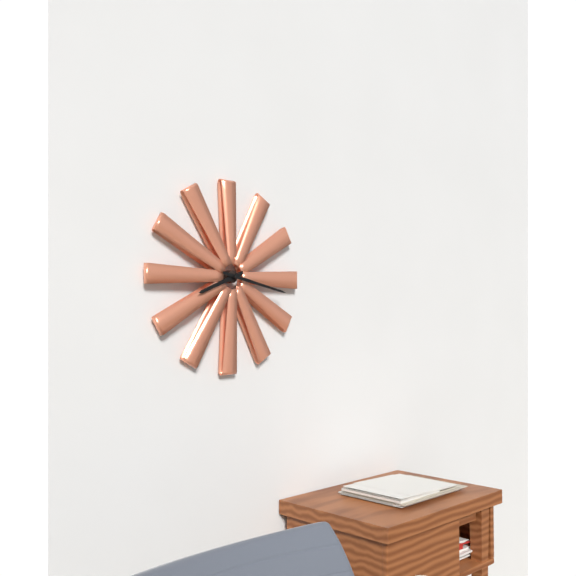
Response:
8.17
